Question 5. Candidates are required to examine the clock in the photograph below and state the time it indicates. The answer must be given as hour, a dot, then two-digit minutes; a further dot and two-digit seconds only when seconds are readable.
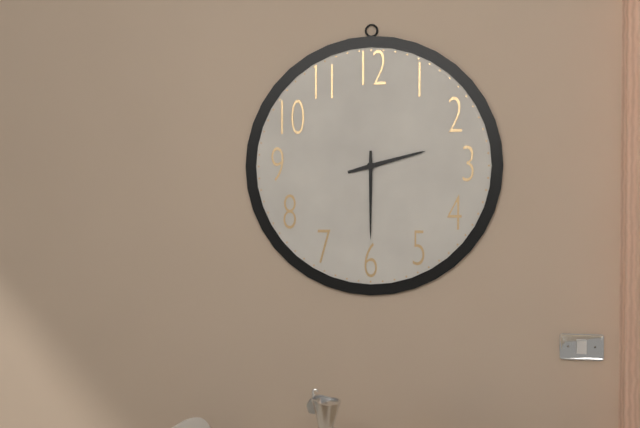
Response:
2.30
